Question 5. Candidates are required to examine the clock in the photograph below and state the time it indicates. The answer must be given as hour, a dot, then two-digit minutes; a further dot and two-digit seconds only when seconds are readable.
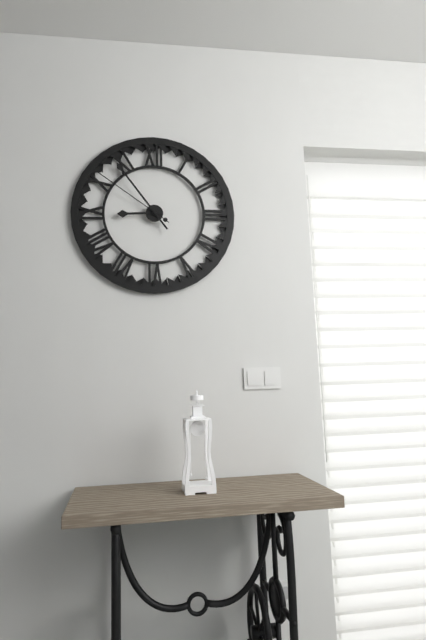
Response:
8.54.51
